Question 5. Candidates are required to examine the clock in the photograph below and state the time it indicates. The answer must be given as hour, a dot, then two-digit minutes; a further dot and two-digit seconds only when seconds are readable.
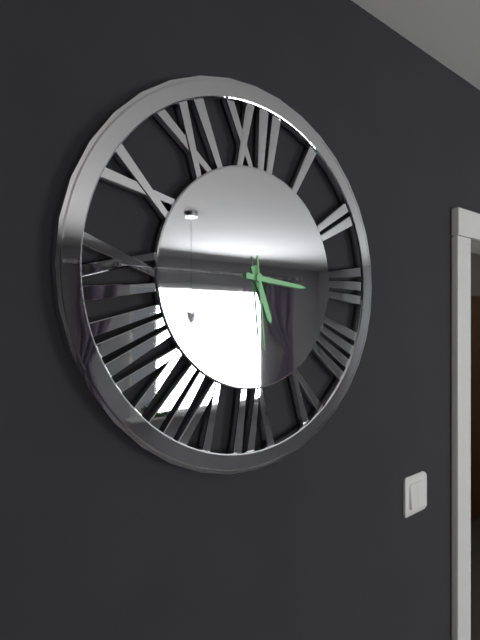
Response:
5.16.29
